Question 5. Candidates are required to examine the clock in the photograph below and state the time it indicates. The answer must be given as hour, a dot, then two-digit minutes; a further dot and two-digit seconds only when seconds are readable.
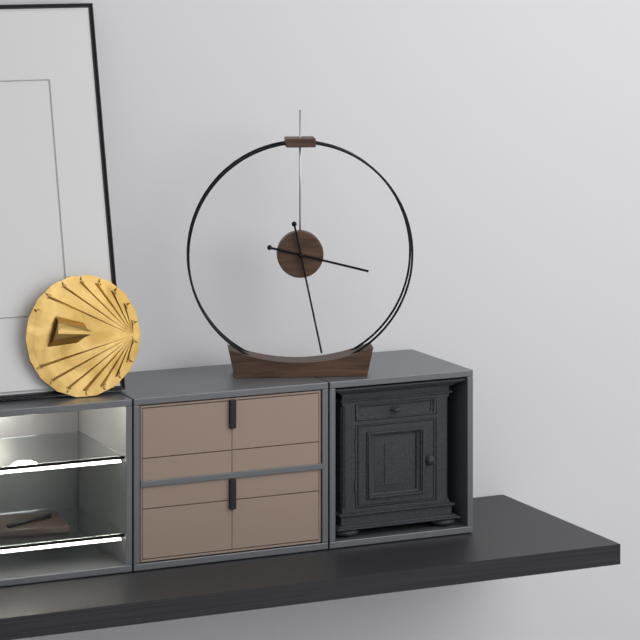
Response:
3.28
